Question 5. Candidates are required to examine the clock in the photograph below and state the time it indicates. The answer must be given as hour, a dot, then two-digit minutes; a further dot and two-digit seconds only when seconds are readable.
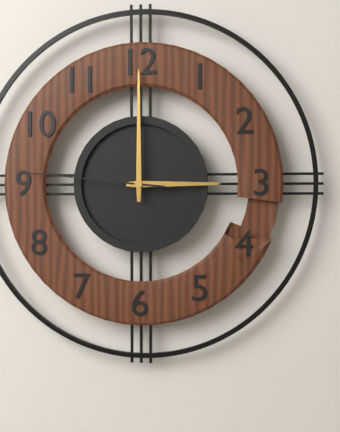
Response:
3.00.46
